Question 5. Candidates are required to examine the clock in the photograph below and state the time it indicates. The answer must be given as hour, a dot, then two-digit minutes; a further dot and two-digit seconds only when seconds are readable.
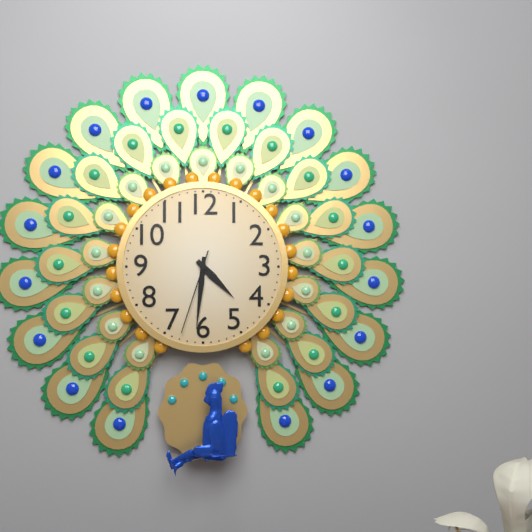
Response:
4.31.33
